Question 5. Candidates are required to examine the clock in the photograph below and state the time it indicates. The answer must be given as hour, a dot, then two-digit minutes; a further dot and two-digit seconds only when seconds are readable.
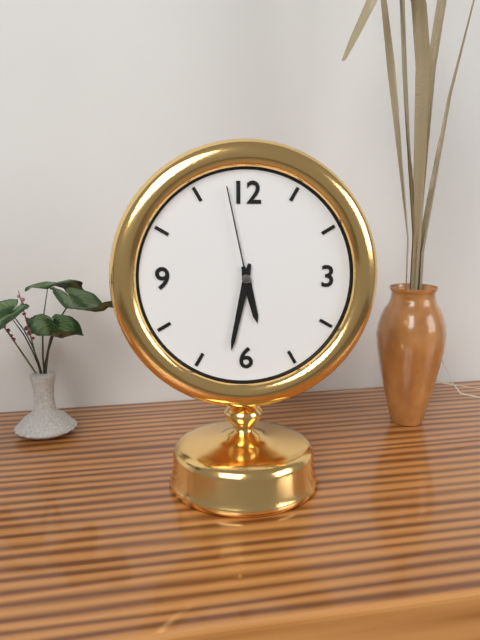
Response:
5.32.58
